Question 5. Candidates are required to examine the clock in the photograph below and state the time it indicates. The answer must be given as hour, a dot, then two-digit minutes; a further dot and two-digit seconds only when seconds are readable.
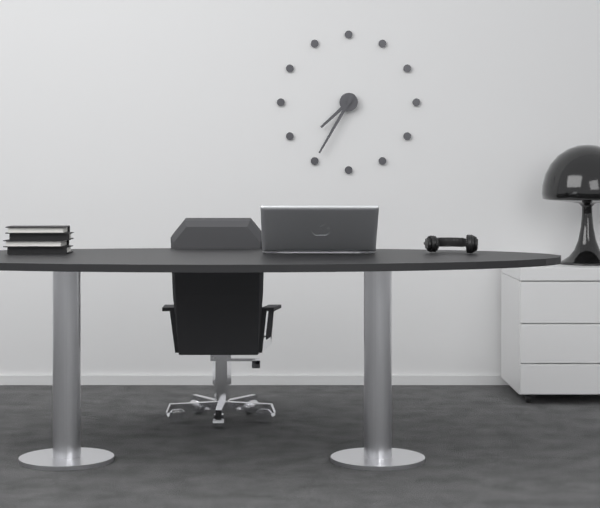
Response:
7.35
